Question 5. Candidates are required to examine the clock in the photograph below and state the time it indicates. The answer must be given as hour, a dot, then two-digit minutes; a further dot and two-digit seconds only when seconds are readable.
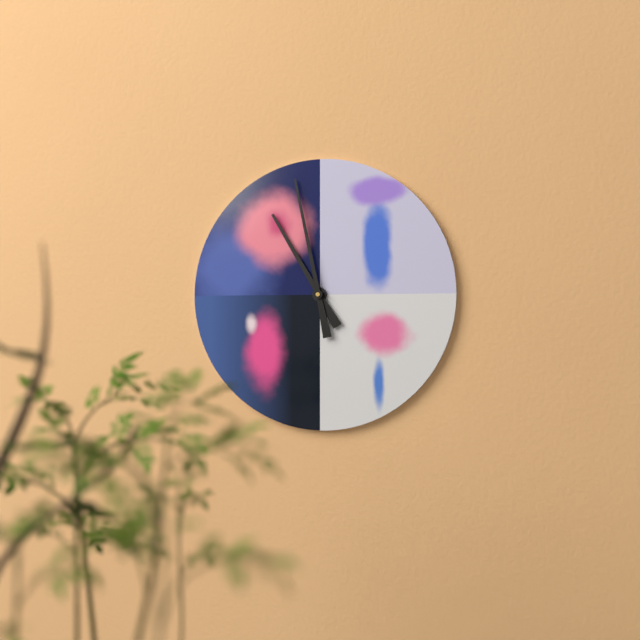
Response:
10.58
